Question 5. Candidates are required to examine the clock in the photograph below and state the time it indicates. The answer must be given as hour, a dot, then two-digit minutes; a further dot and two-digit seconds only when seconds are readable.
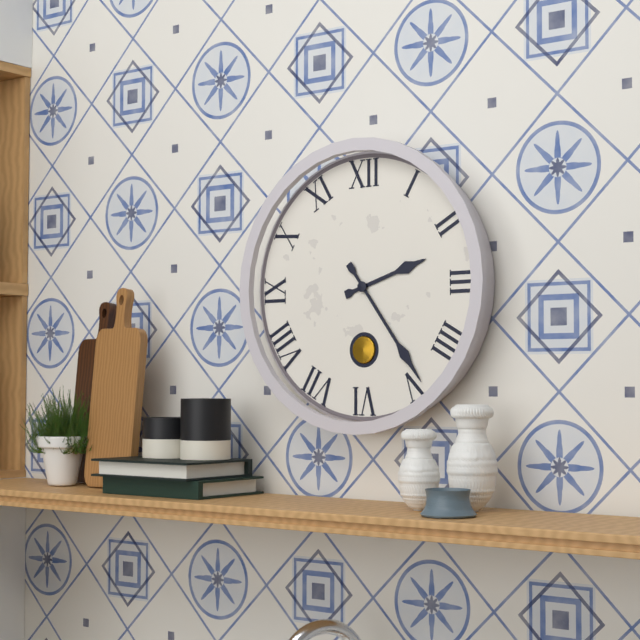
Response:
2.24
